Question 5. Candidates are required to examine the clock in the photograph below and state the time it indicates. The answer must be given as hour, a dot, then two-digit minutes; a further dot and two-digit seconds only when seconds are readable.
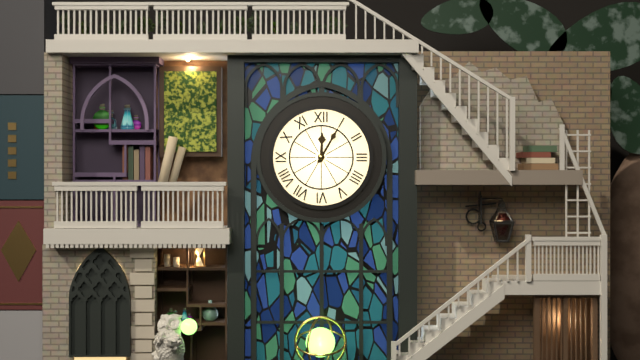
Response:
12.05
